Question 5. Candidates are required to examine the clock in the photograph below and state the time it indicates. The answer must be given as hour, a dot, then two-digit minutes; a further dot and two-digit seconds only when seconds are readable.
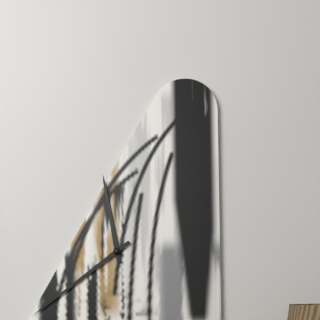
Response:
11.39
